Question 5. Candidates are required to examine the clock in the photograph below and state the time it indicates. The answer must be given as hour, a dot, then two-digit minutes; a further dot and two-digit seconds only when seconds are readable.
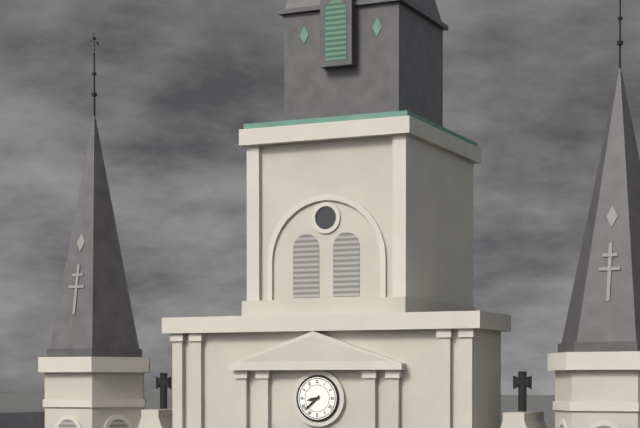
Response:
8.38
